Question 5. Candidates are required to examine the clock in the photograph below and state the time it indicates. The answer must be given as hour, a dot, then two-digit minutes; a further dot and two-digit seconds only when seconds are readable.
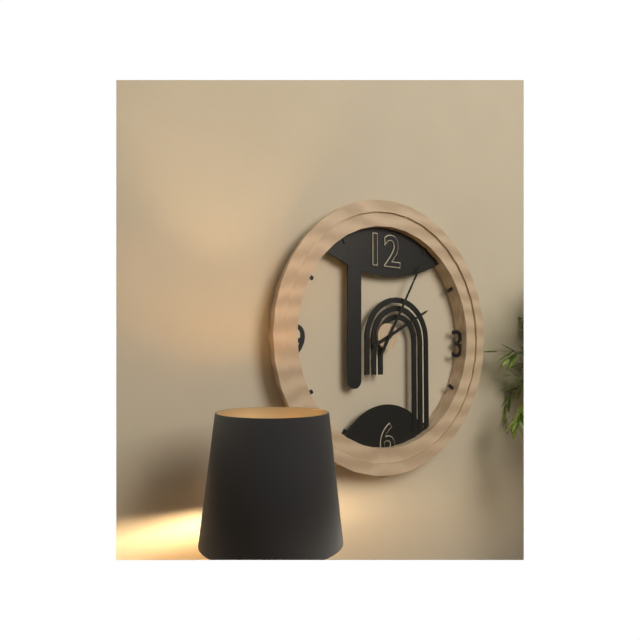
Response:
2.05
